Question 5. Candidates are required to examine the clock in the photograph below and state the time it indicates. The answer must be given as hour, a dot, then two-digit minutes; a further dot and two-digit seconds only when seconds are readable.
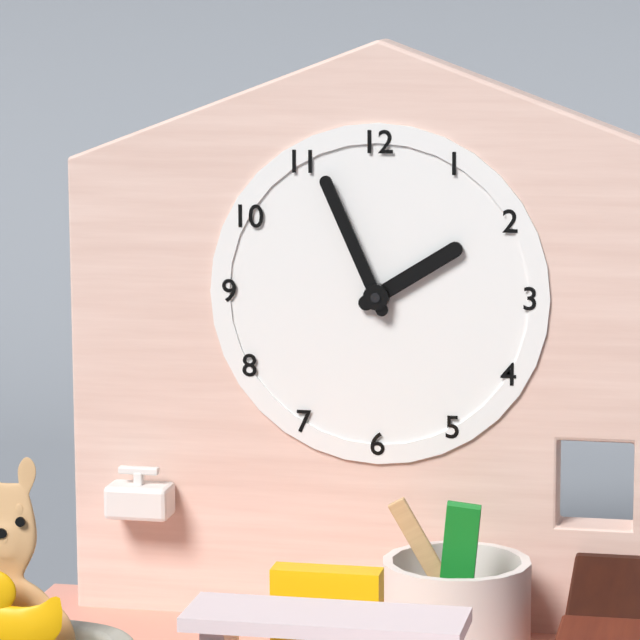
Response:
1.56
